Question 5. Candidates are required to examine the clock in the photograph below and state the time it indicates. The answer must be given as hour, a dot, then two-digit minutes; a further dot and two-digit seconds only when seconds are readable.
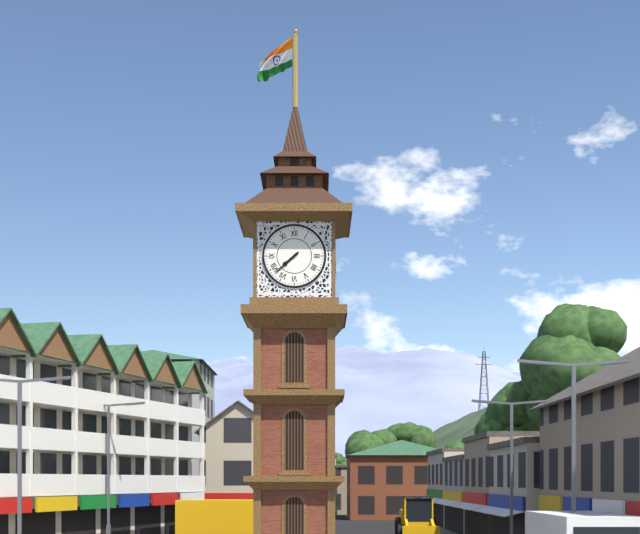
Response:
7.38
